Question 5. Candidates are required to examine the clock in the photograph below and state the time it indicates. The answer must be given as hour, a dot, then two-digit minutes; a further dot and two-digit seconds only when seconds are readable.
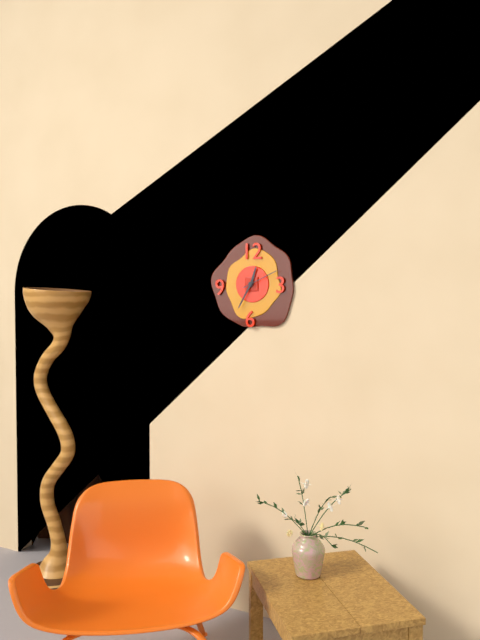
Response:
12.35
